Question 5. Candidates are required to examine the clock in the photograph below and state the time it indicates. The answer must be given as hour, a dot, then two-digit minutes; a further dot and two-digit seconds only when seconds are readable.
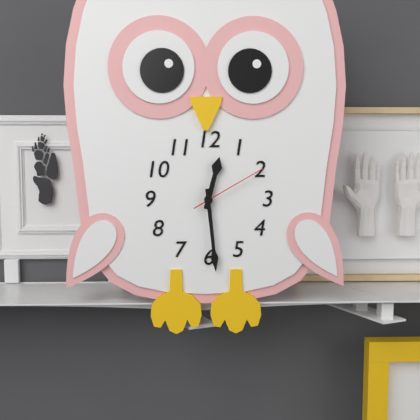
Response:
12.29.10
